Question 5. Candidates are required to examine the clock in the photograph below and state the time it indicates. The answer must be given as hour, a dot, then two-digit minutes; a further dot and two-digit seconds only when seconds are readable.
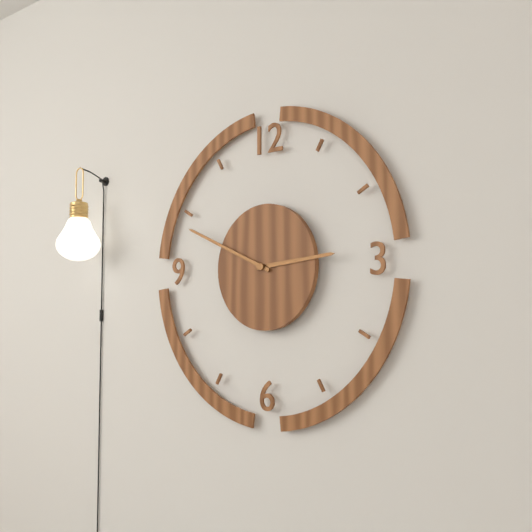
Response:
2.49
